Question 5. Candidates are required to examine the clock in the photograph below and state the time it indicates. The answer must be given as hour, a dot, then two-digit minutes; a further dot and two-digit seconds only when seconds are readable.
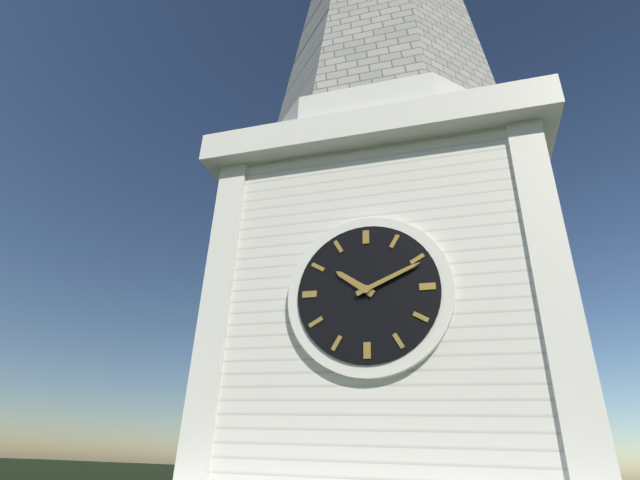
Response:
10.11
